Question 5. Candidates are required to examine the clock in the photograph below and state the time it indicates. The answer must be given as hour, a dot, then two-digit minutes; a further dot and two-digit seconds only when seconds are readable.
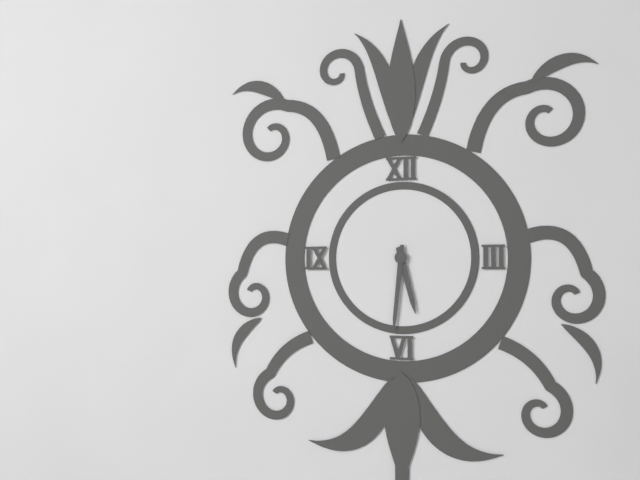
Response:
5.31
